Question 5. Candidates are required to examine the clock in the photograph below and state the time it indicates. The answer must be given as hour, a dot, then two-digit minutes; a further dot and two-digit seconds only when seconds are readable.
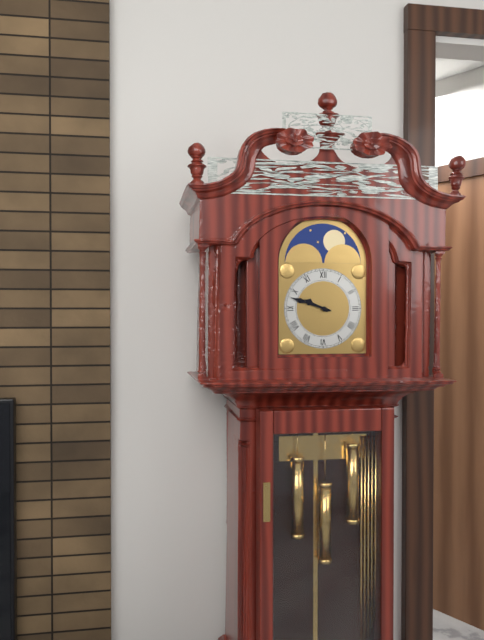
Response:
9.48
